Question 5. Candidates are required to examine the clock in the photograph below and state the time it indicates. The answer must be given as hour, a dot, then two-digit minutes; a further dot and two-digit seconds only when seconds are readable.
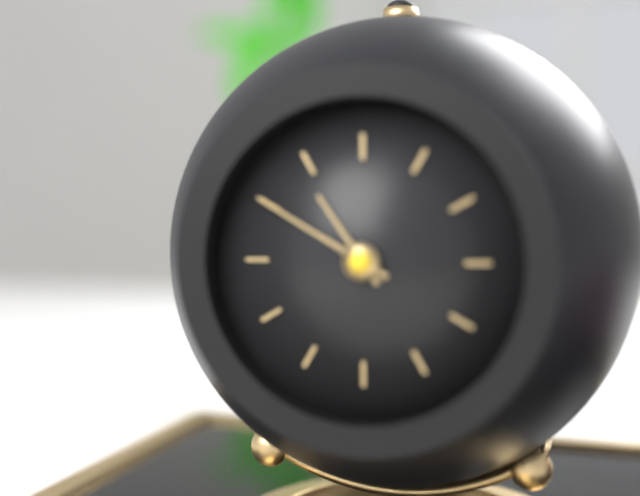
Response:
10.50
